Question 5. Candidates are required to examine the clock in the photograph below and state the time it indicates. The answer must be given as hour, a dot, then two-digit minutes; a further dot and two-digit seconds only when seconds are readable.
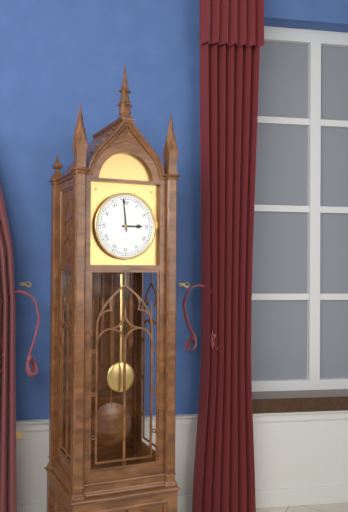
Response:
2.59
